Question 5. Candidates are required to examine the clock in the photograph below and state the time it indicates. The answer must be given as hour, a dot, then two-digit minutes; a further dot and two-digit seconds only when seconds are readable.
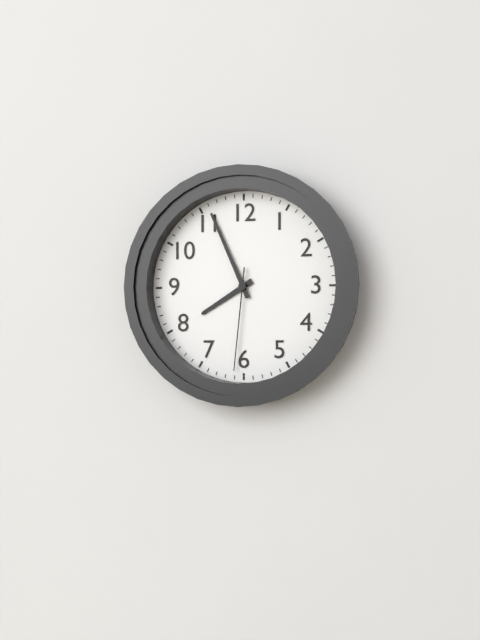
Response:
7.56.31
